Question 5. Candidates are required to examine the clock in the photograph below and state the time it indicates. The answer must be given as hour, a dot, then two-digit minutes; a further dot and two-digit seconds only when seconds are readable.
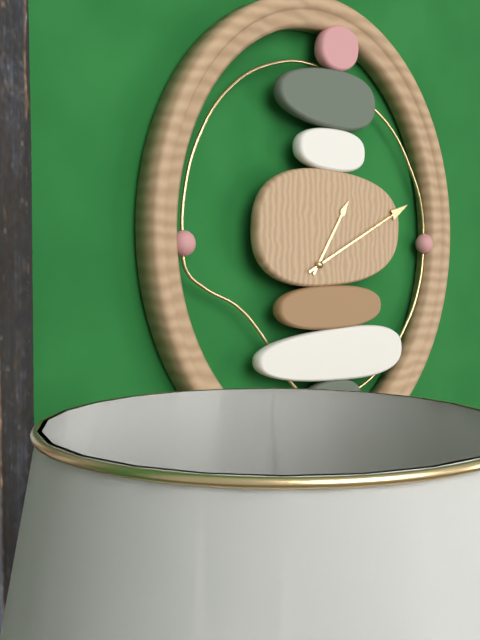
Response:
1.11
